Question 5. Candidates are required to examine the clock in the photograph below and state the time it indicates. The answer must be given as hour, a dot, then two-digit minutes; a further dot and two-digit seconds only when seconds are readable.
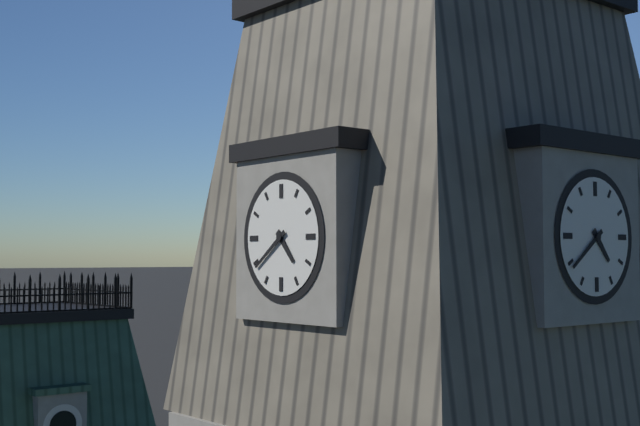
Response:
4.39
